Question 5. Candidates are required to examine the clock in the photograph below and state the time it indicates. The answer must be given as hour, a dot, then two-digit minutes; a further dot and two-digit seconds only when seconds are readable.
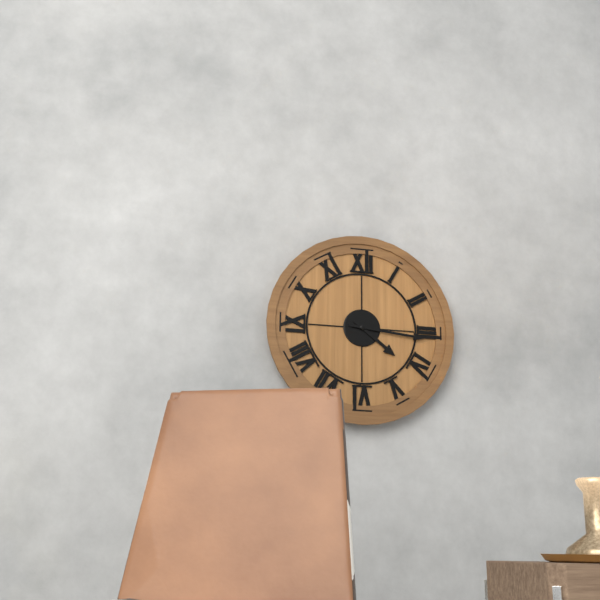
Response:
4.16
